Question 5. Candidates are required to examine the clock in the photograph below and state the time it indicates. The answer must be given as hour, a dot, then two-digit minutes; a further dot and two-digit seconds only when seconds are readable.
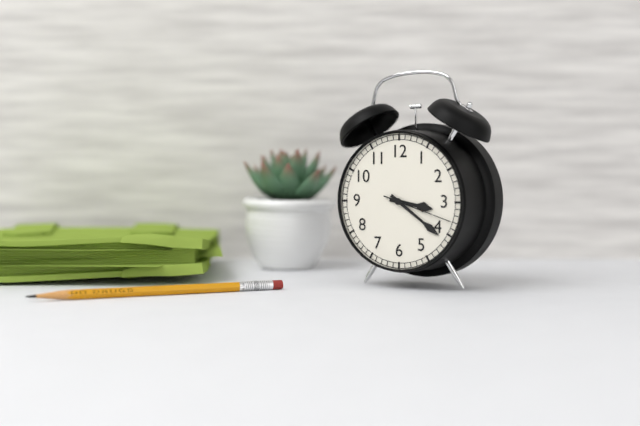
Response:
3.21.18
